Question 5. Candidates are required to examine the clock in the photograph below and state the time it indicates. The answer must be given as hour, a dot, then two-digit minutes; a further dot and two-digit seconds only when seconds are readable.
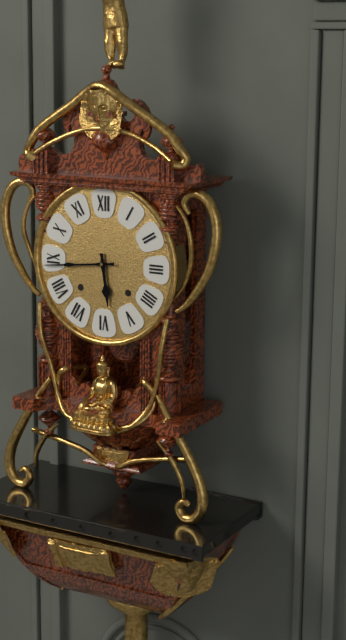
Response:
5.44
